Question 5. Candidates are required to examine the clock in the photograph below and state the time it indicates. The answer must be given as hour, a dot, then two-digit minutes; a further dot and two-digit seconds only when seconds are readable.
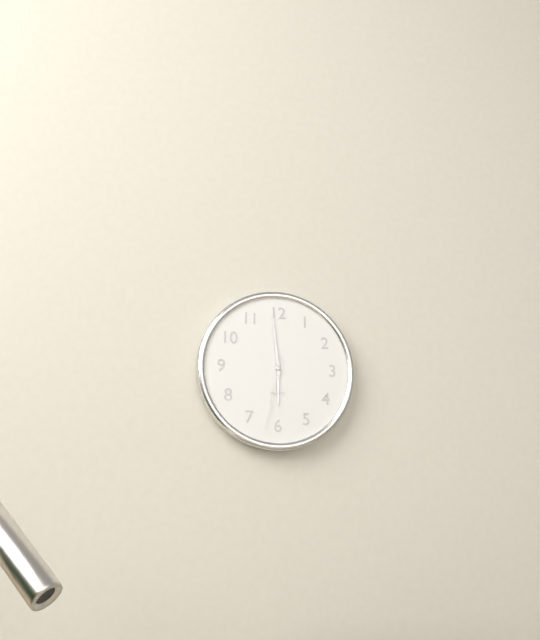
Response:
5.59.32
